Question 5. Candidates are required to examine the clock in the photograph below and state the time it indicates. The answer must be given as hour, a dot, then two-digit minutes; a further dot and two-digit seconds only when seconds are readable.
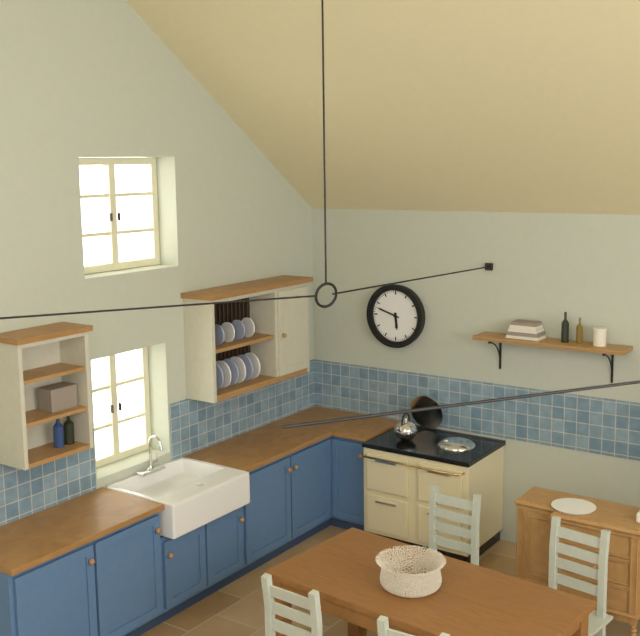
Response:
5.48
